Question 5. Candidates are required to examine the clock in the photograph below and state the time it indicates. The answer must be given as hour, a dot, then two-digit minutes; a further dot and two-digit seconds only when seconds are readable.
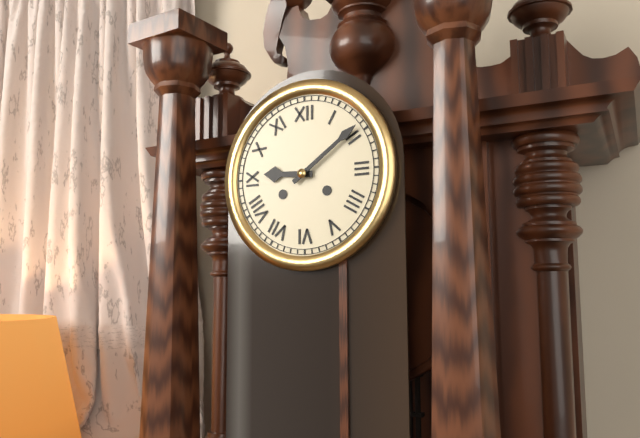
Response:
9.09
